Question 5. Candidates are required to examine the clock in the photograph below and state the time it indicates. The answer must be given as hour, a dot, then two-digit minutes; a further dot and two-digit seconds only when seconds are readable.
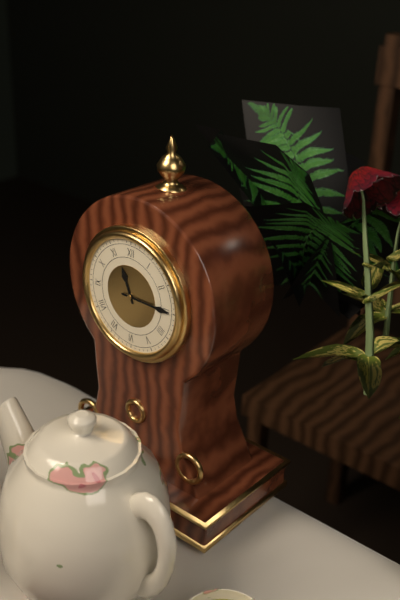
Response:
11.15
